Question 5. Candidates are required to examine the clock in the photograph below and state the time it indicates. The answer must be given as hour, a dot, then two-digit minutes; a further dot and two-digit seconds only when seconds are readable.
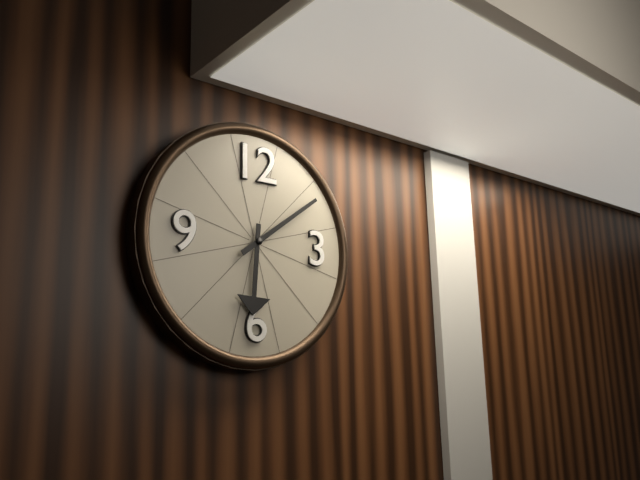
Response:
6.09
